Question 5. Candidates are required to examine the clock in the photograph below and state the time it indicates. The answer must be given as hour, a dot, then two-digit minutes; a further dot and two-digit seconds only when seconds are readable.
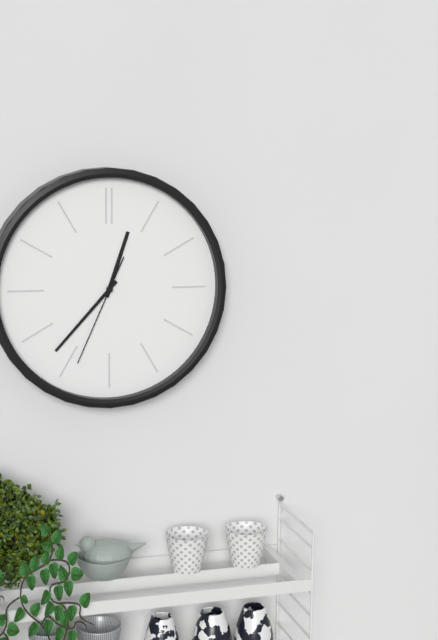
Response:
12.37.34
